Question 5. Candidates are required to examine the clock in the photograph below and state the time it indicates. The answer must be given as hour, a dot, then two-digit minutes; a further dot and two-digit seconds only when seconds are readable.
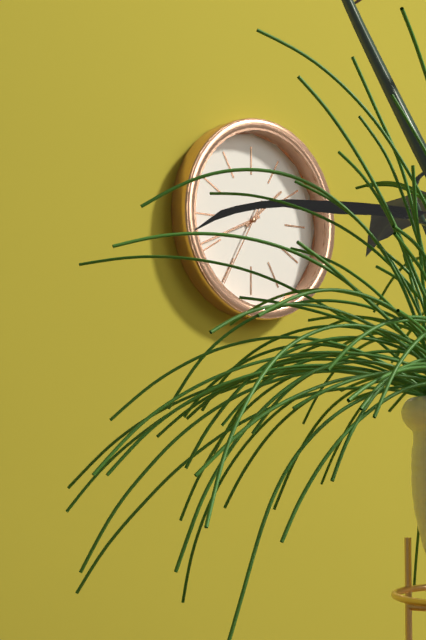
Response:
1.41.35
